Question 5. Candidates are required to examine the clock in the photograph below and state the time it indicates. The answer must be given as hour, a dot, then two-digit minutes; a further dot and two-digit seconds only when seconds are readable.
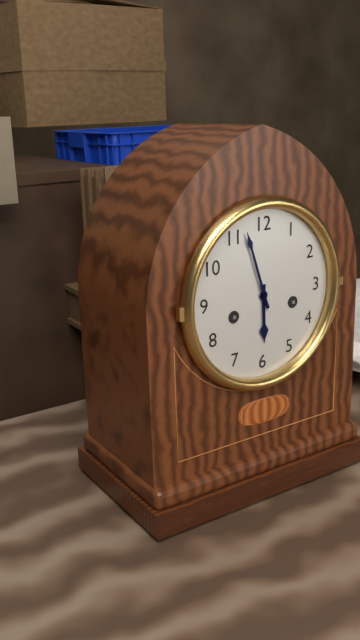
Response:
5.57
